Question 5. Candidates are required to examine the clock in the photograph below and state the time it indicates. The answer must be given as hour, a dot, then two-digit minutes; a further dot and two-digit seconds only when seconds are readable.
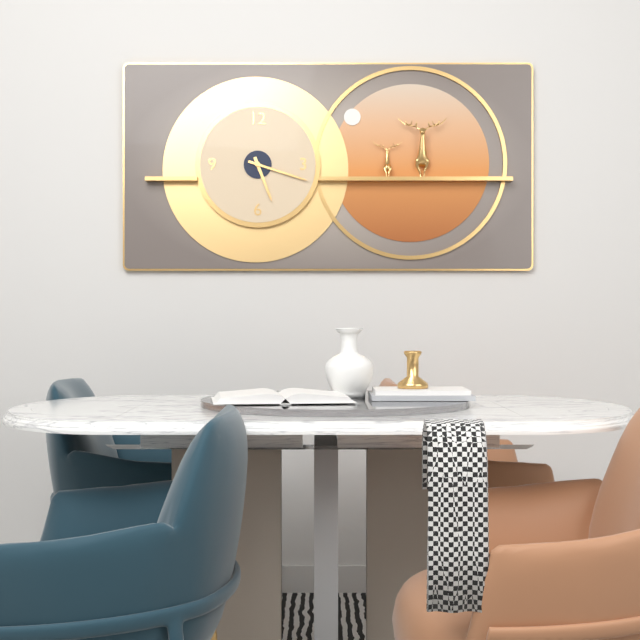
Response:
5.18
